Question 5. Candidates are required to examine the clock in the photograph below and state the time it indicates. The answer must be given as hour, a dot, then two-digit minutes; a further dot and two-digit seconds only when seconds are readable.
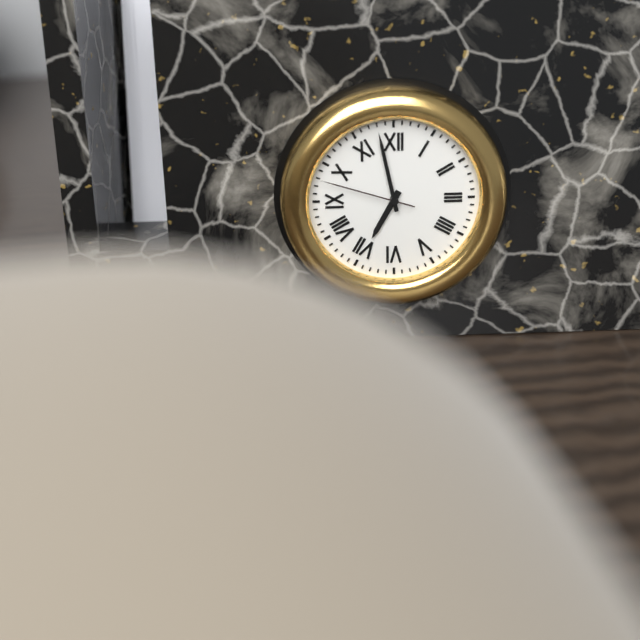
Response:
6.58.48
